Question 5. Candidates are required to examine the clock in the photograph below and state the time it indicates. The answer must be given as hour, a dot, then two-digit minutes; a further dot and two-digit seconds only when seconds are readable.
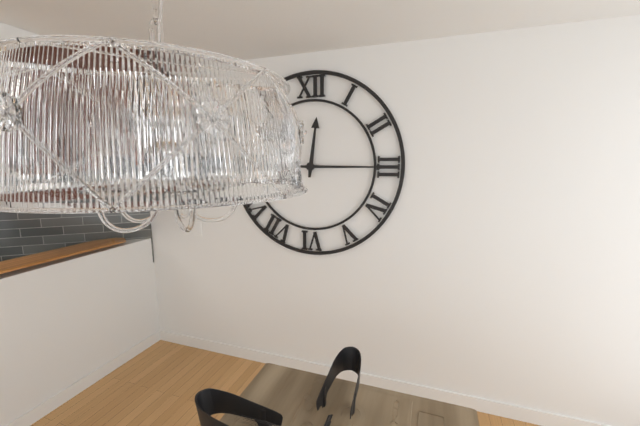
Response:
12.15
